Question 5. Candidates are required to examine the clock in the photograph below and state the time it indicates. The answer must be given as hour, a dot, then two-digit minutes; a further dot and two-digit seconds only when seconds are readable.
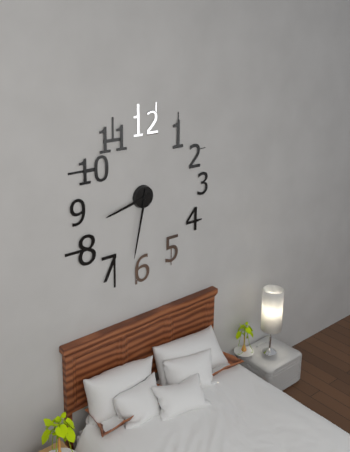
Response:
8.32
